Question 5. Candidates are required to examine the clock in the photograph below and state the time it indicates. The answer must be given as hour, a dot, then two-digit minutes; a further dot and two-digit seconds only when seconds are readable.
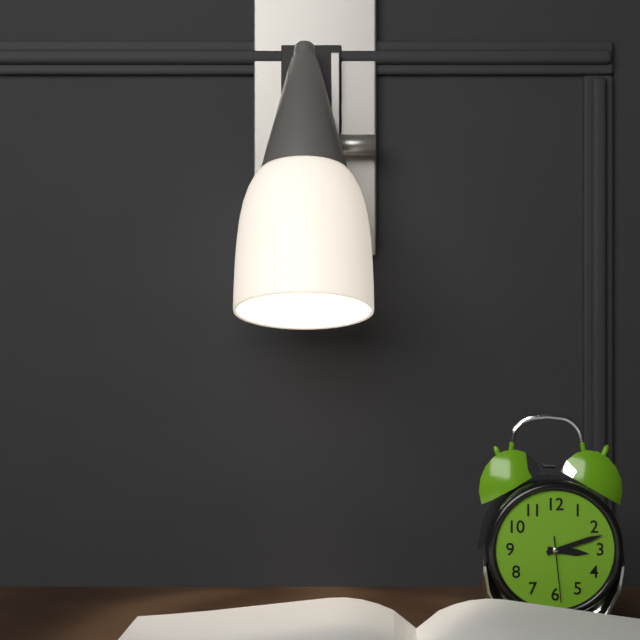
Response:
3.12.29
